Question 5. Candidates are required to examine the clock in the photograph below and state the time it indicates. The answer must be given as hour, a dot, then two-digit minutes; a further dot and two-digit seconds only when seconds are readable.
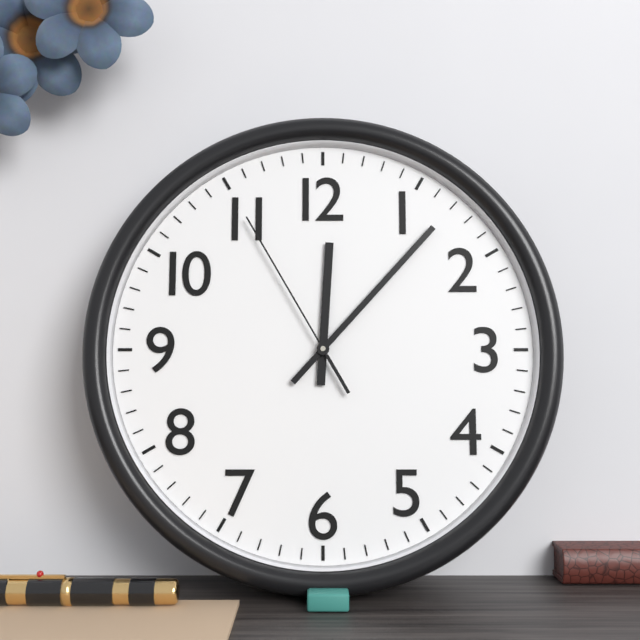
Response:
12.07.55
